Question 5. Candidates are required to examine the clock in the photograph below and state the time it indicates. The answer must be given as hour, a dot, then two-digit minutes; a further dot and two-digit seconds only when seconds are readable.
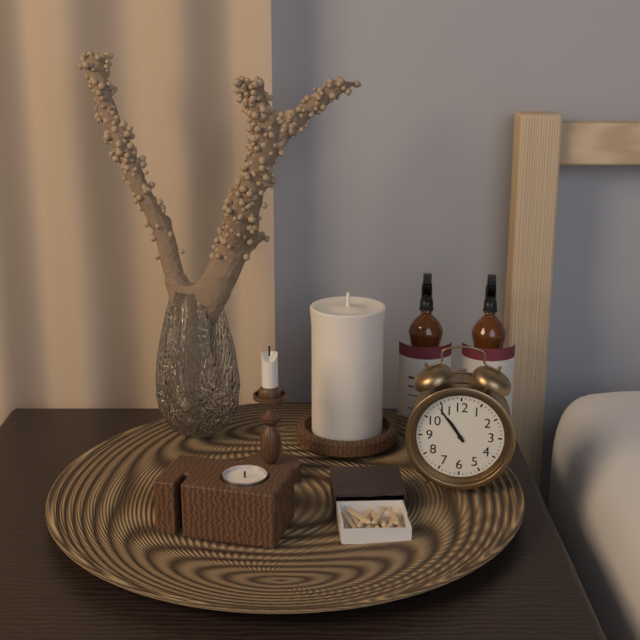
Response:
10.54
